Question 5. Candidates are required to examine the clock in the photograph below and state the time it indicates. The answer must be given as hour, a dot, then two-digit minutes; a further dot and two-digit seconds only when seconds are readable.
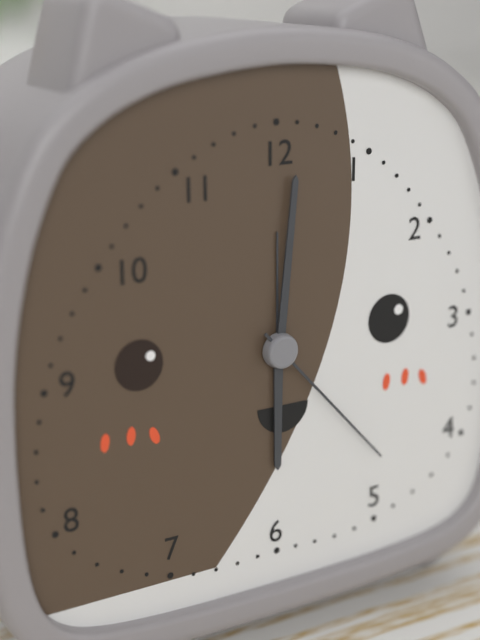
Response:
6.01.23
